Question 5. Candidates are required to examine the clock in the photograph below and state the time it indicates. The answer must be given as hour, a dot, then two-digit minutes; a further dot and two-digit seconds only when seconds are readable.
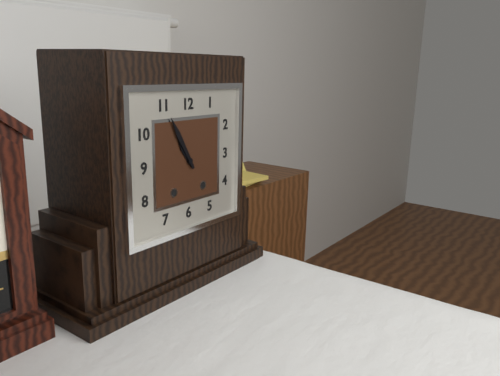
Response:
10.55
